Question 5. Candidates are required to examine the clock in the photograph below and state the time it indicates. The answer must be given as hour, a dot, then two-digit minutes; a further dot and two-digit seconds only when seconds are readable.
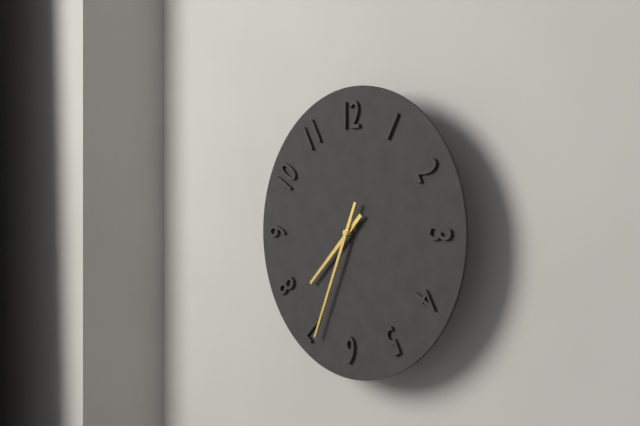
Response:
7.34
